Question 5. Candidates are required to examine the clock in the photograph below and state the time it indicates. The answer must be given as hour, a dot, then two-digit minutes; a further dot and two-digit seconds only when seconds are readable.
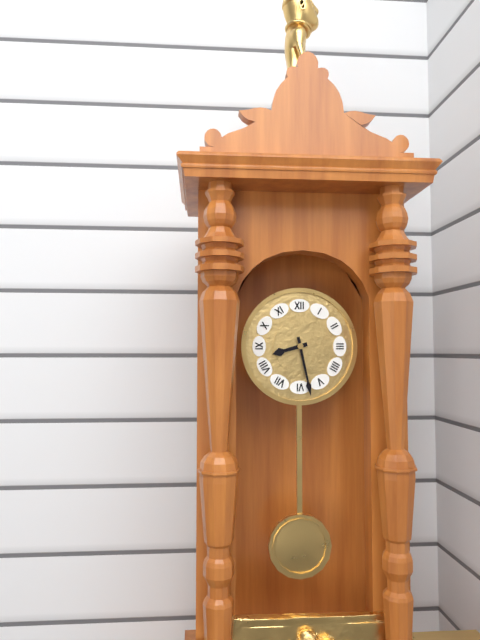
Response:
8.28
